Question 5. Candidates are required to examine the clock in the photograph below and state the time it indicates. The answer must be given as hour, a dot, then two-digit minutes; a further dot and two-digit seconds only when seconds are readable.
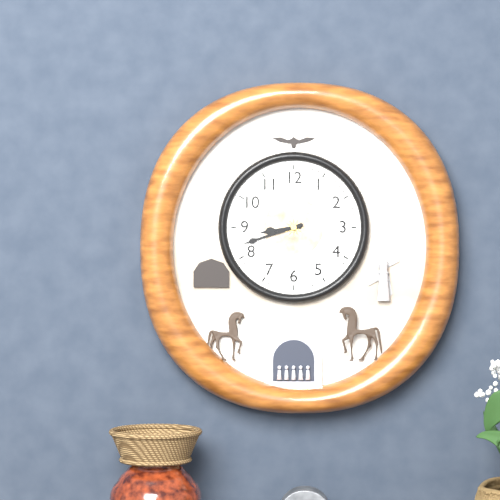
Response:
8.42
